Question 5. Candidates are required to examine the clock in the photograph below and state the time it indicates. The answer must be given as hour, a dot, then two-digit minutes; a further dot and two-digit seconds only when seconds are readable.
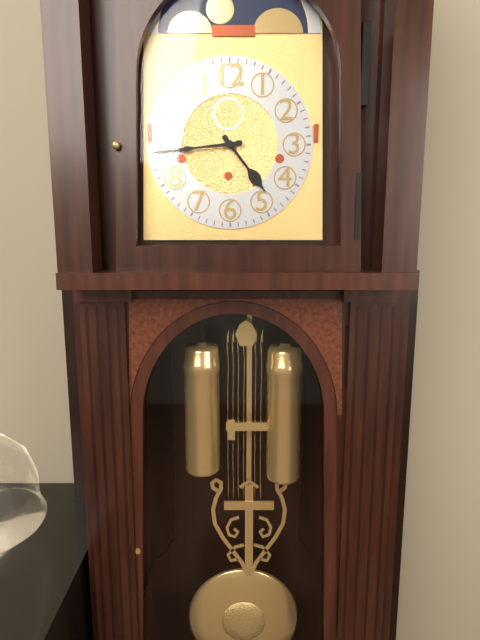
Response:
4.44
